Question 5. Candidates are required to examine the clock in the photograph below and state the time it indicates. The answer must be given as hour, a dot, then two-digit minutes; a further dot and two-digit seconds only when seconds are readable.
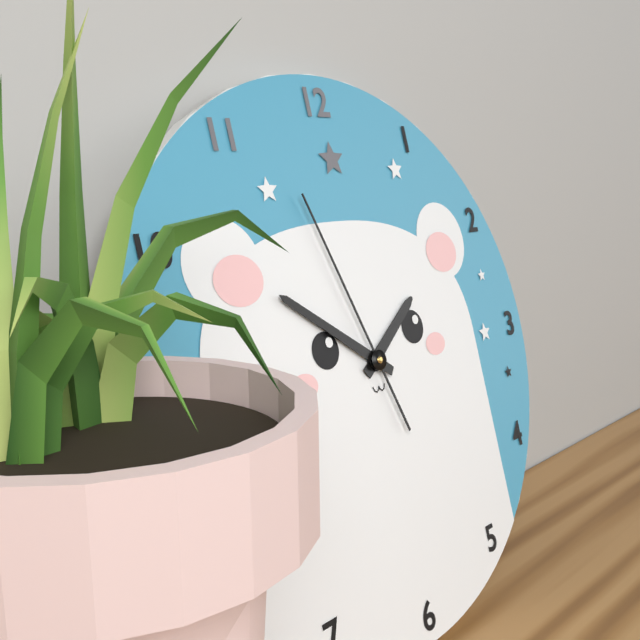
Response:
1.51.57
